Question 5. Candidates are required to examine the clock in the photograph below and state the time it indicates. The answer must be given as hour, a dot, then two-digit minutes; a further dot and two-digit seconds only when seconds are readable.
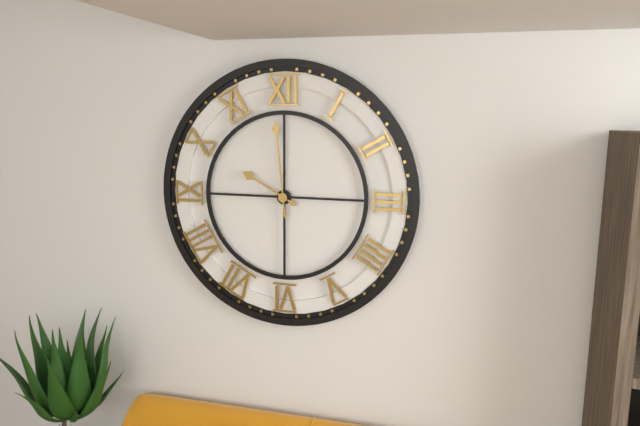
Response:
9.59
